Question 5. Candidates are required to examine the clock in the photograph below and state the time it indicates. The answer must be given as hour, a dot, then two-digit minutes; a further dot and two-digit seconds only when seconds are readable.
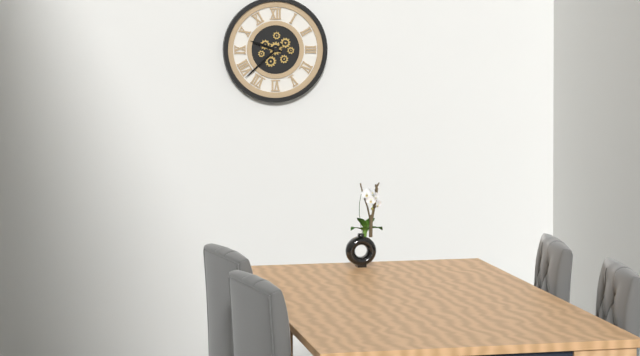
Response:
9.38
